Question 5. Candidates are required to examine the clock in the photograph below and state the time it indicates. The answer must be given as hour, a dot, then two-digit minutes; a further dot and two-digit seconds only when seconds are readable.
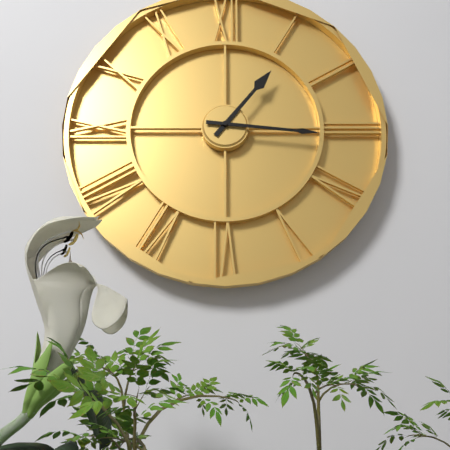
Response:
1.16
